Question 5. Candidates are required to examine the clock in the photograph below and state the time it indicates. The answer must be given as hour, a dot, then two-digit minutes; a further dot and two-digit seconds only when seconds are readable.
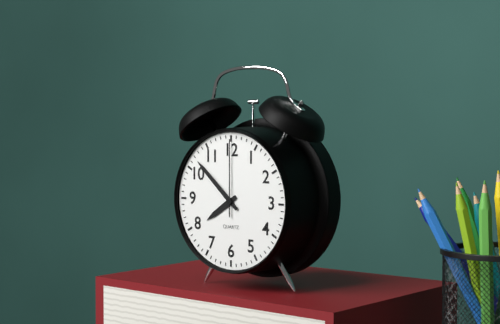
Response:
7.52.00
